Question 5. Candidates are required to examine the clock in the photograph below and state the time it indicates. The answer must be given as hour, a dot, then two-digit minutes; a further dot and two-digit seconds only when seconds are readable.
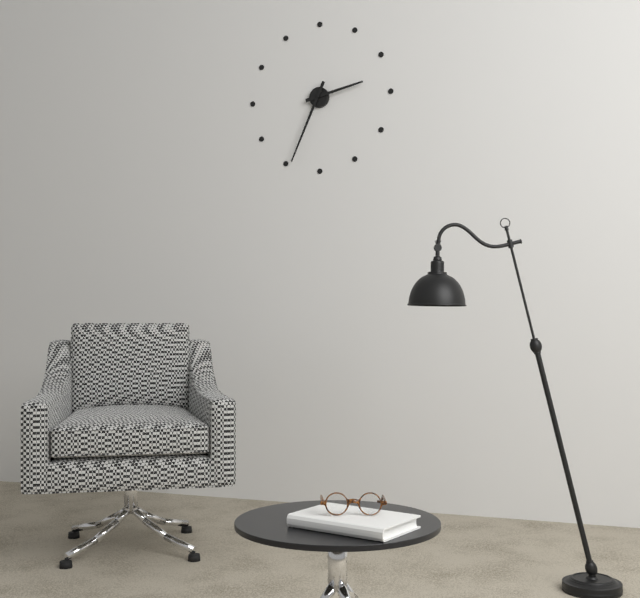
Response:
2.34
